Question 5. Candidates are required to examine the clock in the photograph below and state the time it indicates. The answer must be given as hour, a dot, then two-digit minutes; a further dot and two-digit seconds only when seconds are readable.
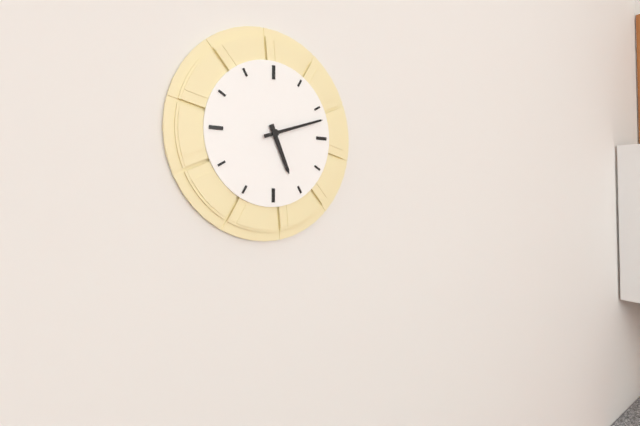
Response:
5.12
